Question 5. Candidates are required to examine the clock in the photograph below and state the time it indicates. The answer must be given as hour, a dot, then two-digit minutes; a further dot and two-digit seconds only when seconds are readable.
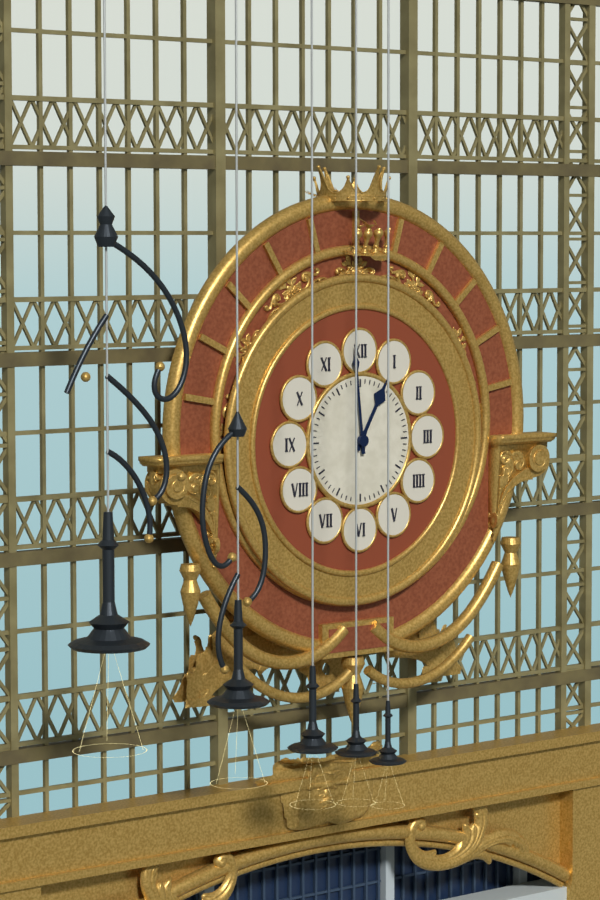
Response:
12.59
